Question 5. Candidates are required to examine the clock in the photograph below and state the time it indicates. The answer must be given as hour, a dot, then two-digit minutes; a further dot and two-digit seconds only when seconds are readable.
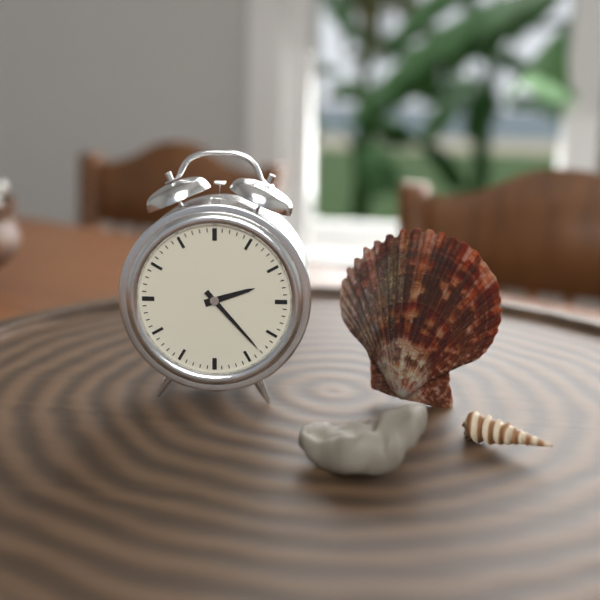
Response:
2.23
